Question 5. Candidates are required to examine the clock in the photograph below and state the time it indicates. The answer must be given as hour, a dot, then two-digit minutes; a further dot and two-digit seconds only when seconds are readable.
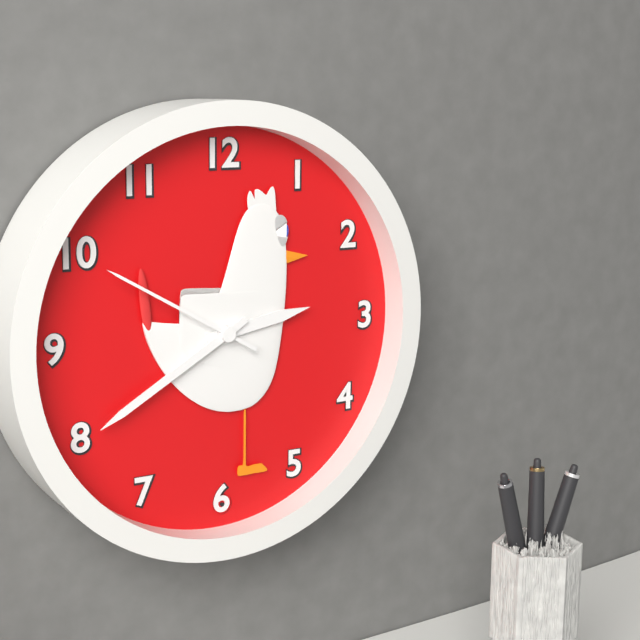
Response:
2.40.50
